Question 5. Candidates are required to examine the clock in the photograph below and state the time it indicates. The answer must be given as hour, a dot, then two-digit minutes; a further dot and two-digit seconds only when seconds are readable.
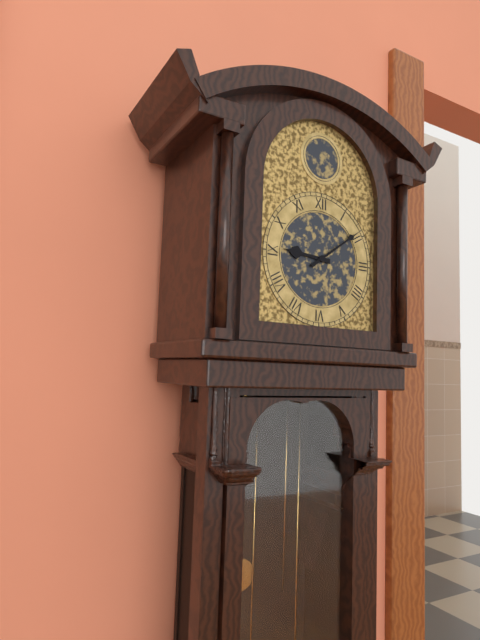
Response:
9.09
